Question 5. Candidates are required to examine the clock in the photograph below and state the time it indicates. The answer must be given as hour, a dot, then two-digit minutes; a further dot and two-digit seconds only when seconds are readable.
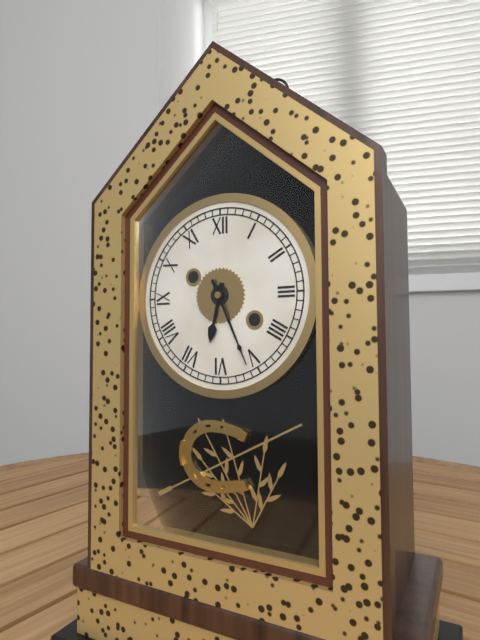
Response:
6.26
